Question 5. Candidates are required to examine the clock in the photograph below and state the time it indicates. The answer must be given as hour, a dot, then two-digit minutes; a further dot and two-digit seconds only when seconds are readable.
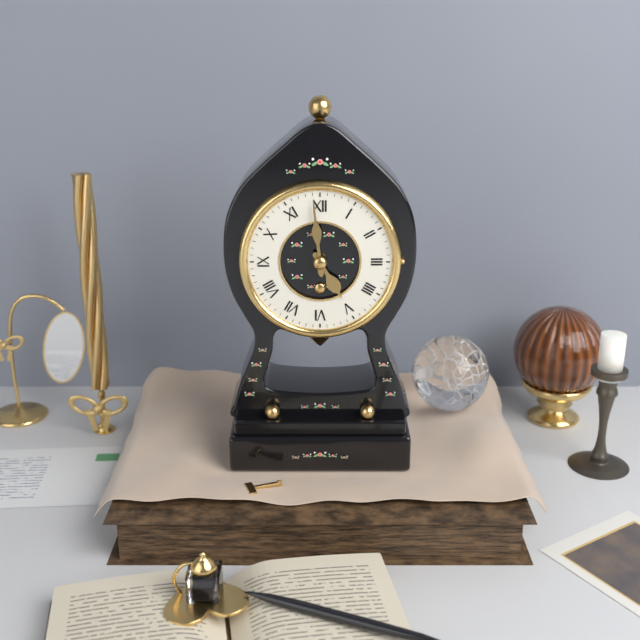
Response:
4.59
